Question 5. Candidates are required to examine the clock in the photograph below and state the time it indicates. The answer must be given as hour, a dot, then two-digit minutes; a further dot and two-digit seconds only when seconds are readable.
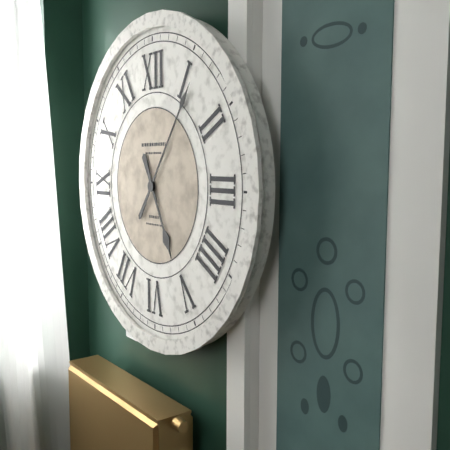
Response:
5.06
